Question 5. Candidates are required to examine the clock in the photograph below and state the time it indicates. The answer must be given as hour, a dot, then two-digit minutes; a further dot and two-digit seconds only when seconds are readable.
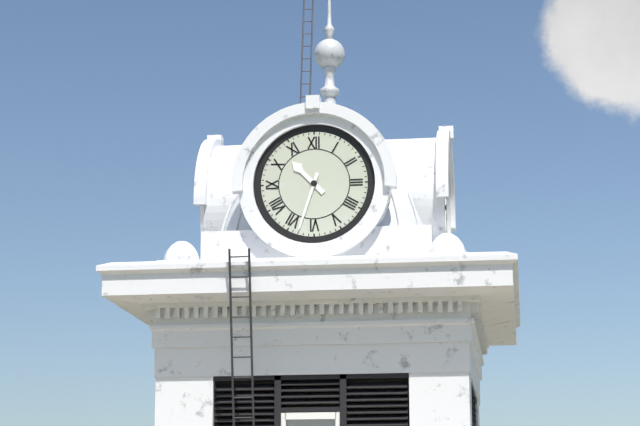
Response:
10.33
